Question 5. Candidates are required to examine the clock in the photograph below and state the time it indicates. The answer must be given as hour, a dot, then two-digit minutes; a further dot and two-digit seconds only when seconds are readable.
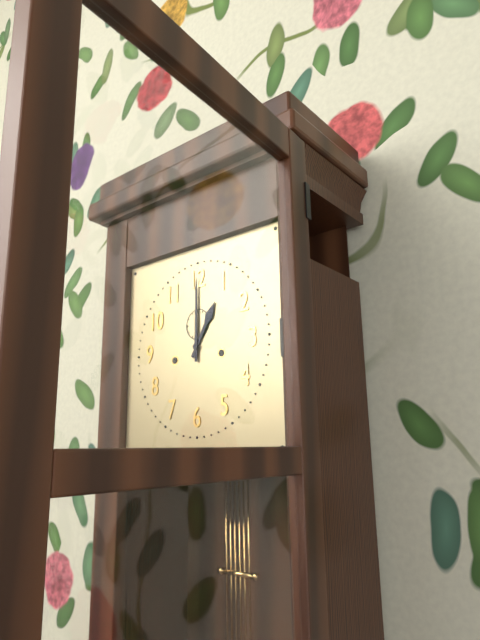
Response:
1.00
